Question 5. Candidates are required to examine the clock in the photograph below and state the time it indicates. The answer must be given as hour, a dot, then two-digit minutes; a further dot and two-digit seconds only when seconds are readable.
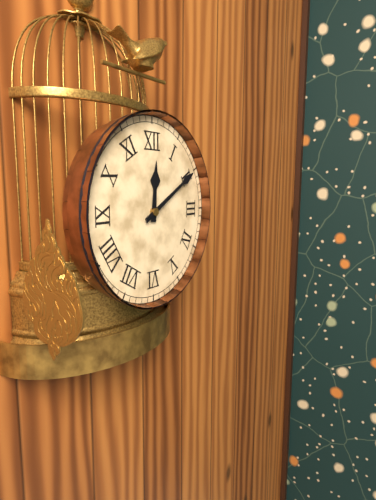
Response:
12.10
